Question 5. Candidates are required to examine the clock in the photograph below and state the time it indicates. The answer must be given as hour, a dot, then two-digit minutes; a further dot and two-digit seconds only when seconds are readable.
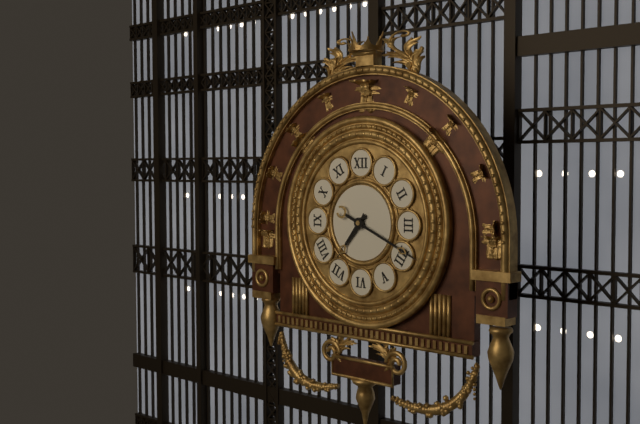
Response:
7.19
